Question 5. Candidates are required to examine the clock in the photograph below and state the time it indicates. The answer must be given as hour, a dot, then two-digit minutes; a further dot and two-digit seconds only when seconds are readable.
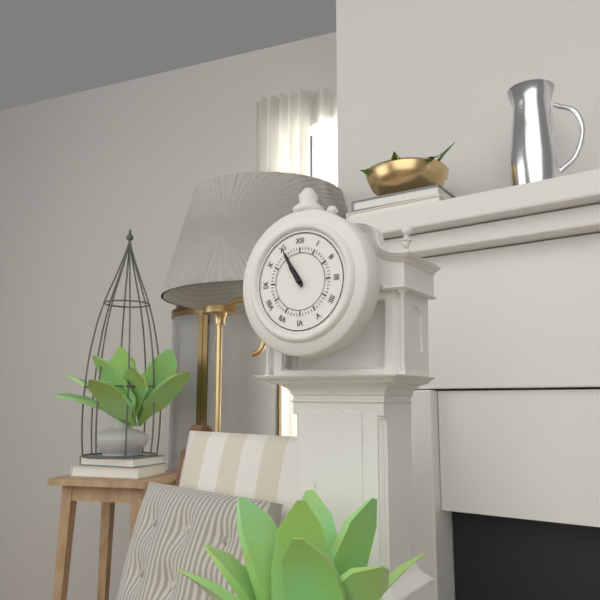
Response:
10.55
